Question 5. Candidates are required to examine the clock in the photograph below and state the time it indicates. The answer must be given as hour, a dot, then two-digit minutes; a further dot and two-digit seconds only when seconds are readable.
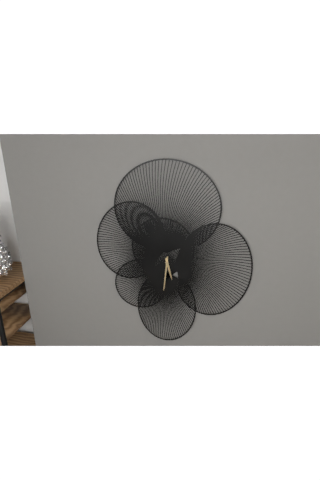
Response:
5.31
